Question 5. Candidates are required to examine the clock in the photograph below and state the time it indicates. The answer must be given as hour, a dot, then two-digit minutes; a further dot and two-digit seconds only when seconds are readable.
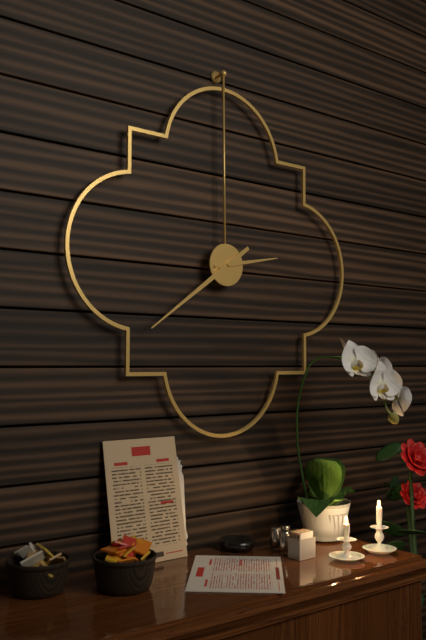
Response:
2.39
